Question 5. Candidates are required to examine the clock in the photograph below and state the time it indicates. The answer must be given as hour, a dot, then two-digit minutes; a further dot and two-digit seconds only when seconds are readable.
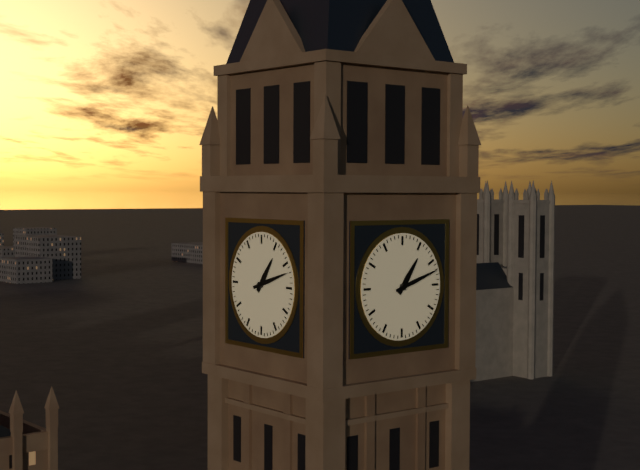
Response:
1.12
